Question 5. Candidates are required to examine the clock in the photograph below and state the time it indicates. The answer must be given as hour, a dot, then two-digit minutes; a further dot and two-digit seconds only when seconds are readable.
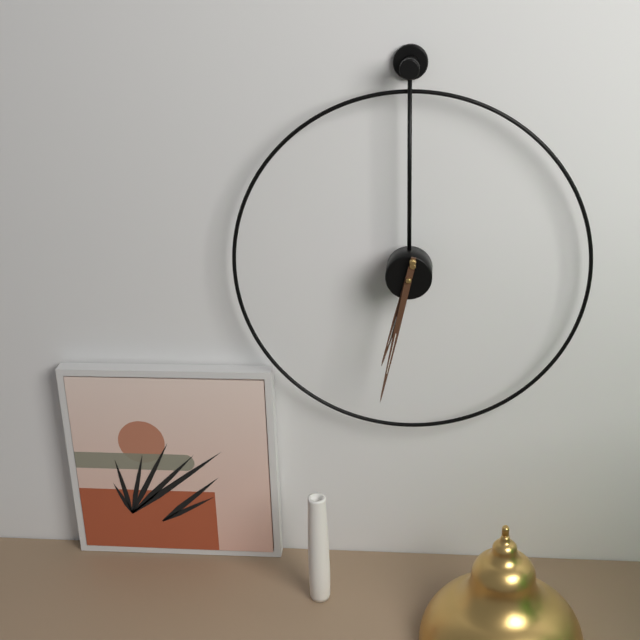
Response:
6.32
